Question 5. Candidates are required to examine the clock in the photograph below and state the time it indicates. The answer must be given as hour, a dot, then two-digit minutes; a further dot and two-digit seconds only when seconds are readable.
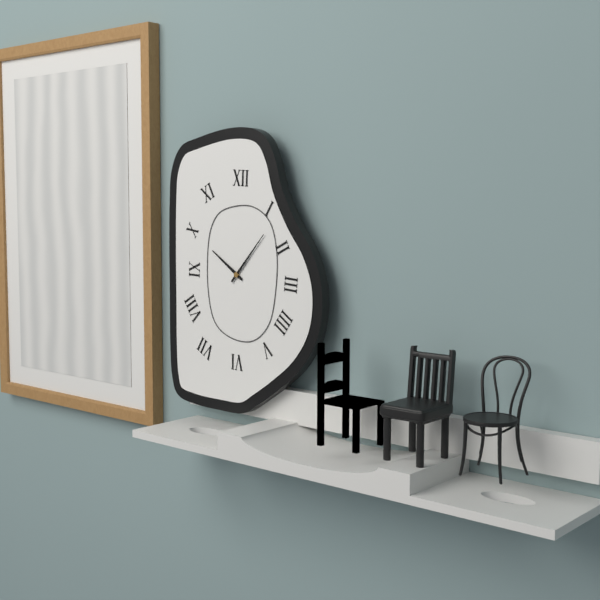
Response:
10.07
